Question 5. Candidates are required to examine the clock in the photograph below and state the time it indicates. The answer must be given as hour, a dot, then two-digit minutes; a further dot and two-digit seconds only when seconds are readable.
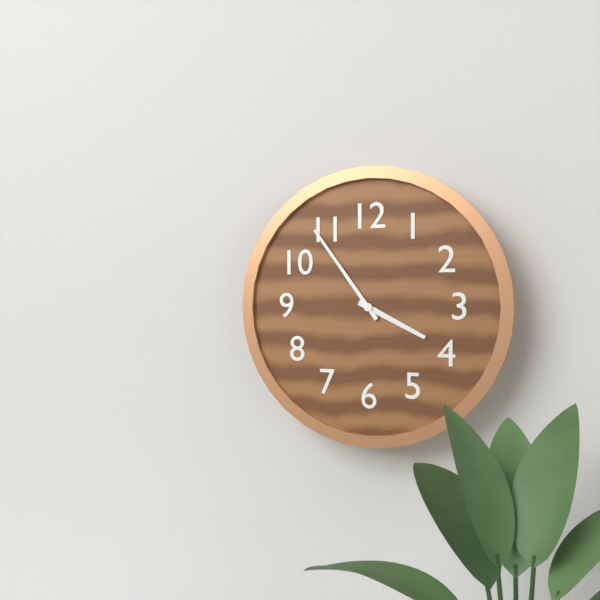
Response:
3.54
